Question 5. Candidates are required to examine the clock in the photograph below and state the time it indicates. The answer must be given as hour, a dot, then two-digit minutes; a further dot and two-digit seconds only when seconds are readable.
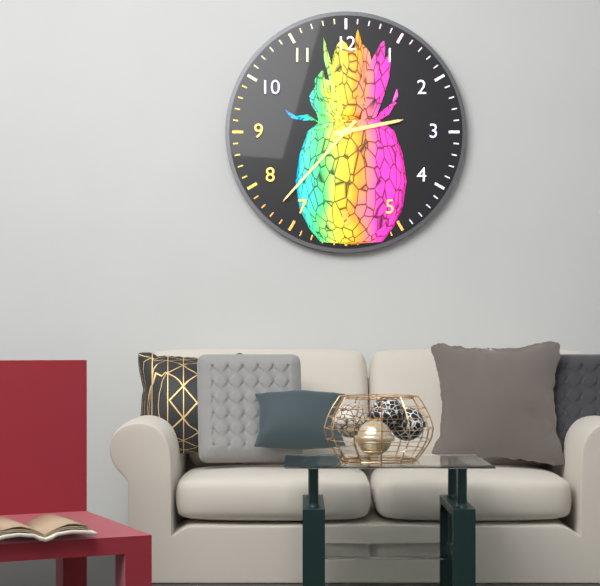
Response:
2.37
